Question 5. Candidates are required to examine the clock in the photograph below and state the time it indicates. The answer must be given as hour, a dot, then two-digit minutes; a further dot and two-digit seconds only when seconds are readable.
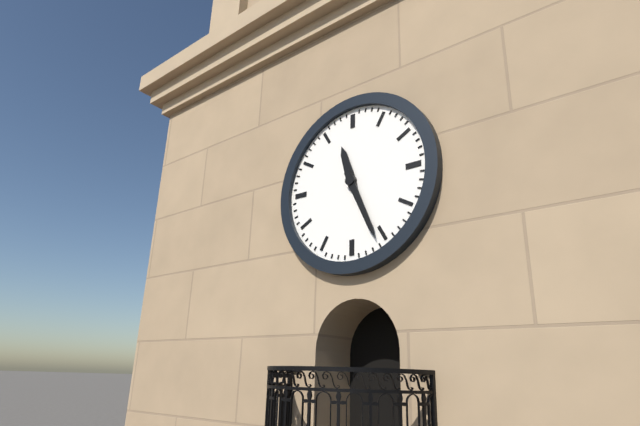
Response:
11.26
